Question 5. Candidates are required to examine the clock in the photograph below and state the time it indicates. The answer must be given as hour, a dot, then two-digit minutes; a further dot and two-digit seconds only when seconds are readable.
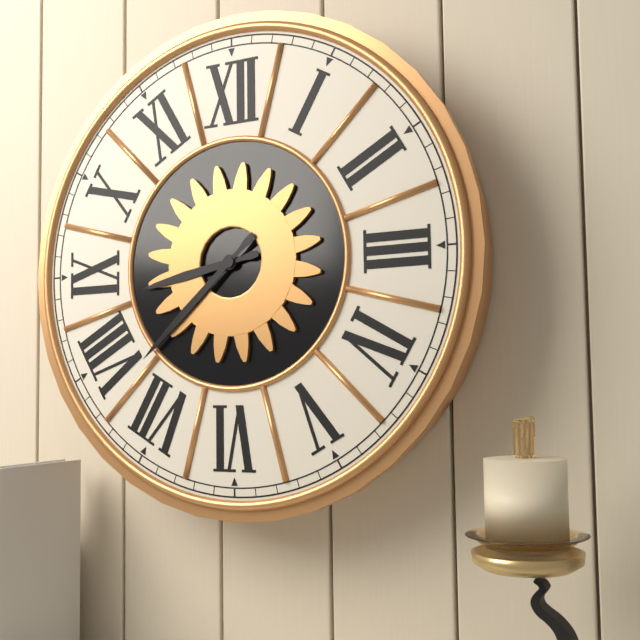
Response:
8.38
